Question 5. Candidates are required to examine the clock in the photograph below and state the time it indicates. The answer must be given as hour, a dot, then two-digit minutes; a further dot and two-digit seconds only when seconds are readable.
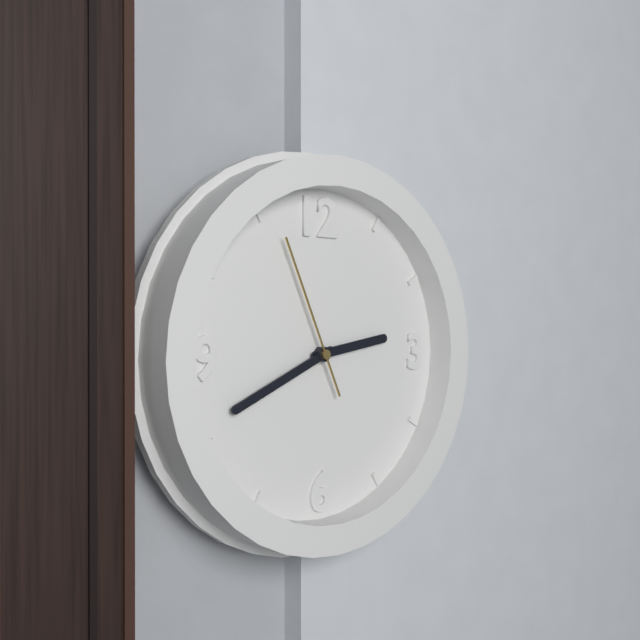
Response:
2.41.56
